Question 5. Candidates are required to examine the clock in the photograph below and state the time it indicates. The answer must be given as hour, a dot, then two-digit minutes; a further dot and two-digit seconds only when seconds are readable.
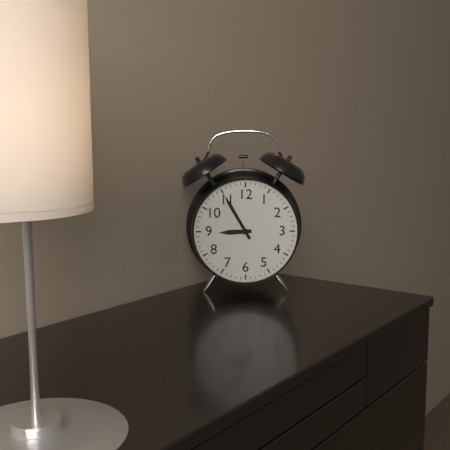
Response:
8.55
